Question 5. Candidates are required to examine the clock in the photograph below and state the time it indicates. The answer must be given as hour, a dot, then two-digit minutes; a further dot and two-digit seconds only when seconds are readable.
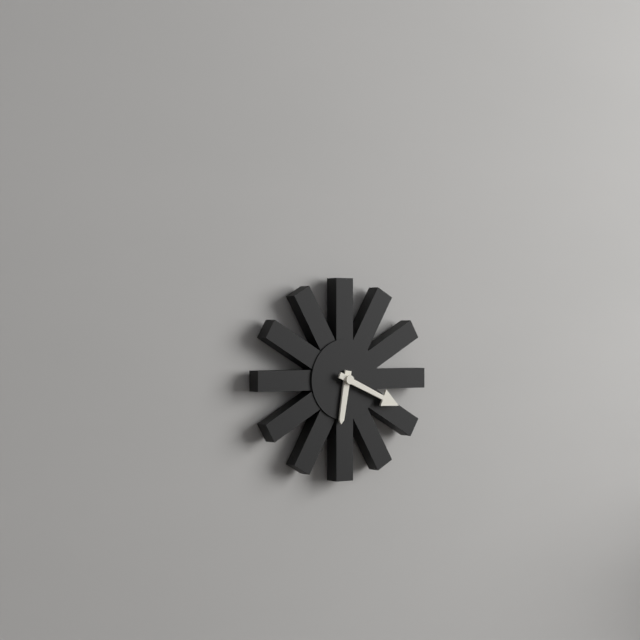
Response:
6.19
